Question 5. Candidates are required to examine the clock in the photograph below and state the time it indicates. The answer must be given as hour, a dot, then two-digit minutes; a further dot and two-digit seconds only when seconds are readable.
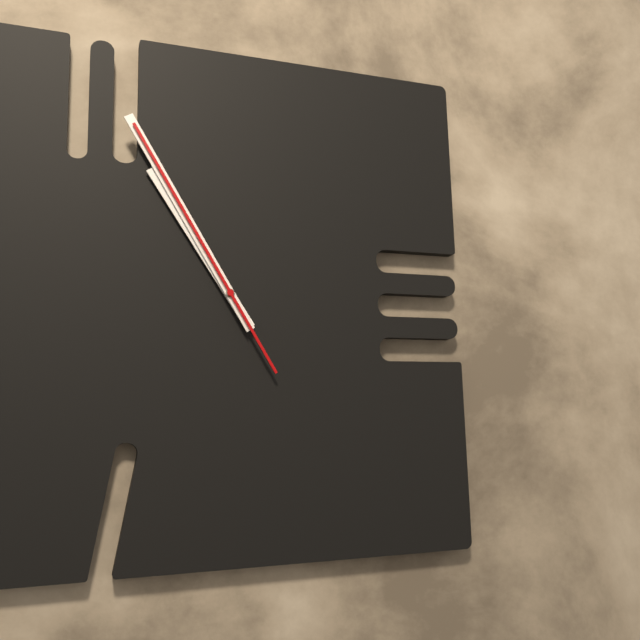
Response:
10.55.55
